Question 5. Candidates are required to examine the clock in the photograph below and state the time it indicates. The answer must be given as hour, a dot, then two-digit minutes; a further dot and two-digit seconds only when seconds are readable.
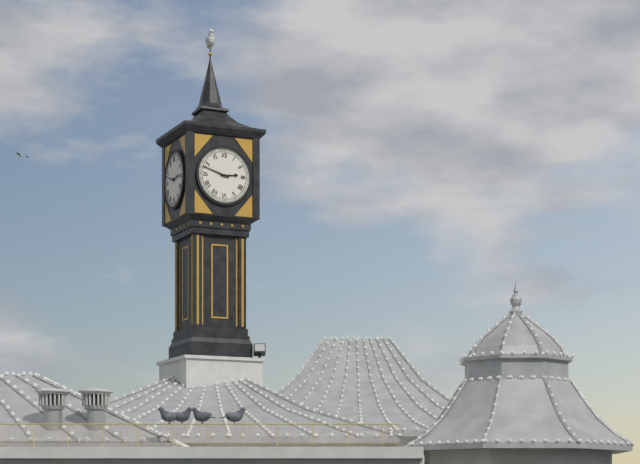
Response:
2.48
